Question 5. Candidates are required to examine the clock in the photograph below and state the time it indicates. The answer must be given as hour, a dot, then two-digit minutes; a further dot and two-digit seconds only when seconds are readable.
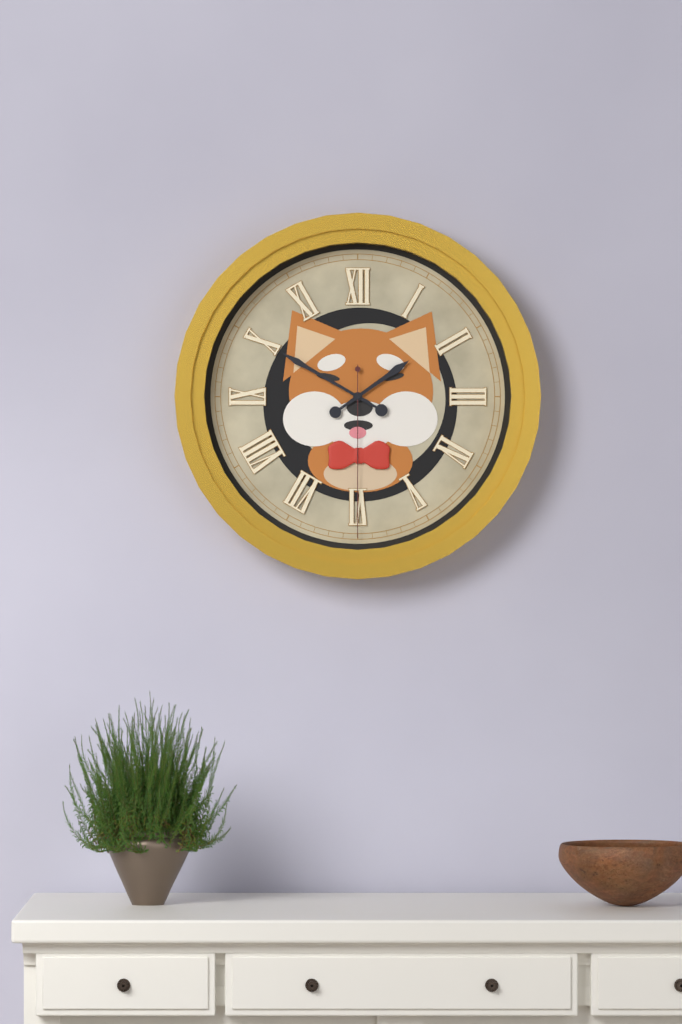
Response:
1.50.30
